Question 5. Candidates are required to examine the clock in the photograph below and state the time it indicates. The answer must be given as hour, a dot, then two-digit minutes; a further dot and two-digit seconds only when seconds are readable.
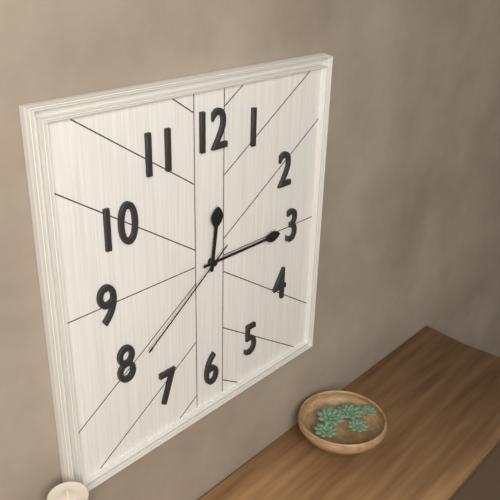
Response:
12.15.39
